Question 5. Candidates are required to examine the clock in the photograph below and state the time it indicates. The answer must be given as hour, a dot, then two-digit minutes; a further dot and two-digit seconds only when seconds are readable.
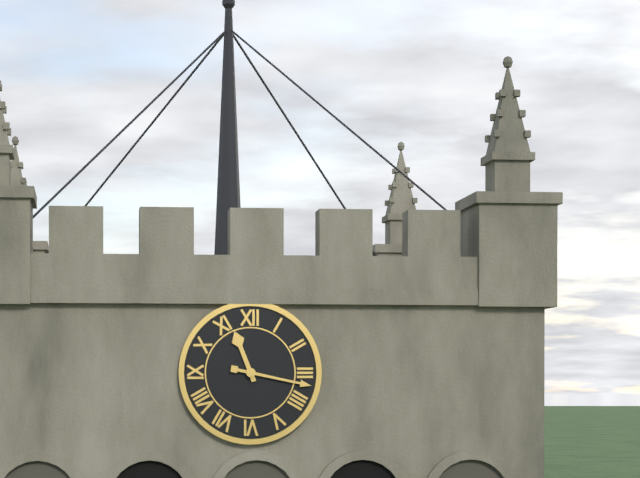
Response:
11.17
